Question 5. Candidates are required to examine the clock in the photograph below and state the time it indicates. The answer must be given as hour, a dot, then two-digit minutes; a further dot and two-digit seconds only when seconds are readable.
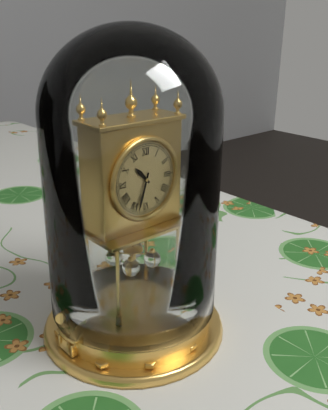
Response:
10.33
